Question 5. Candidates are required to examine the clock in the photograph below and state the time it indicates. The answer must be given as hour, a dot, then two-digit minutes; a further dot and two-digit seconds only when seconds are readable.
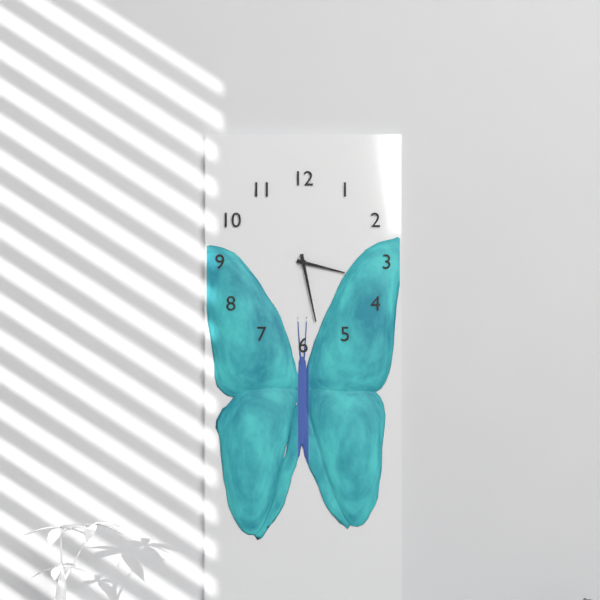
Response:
3.28
